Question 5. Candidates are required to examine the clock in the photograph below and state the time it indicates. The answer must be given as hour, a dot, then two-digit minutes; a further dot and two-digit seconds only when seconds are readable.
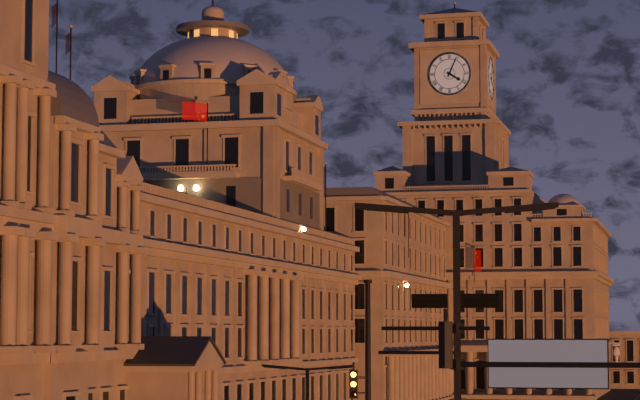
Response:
4.04
